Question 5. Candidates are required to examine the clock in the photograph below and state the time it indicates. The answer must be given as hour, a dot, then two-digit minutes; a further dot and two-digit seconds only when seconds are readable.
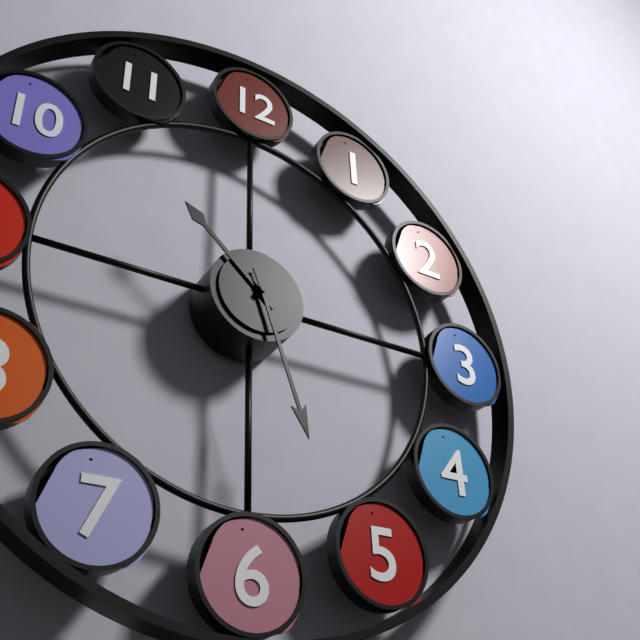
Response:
10.27
